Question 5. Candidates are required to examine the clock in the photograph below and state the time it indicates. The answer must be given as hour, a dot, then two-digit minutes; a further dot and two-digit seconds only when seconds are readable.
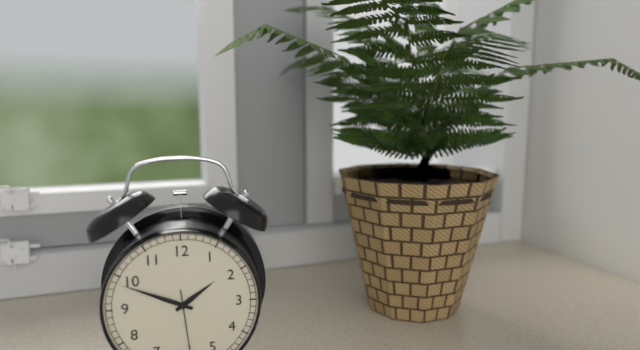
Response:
1.49
